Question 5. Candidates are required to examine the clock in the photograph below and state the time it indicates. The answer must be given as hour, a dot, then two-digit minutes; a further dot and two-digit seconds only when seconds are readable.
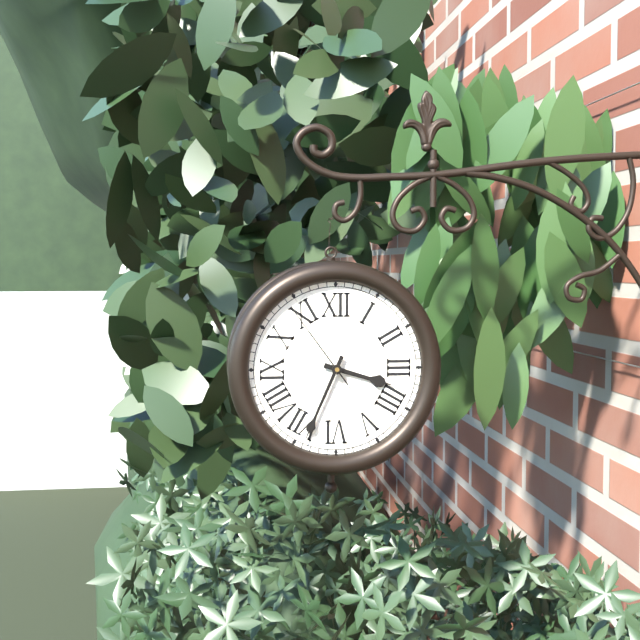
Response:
3.34.54
